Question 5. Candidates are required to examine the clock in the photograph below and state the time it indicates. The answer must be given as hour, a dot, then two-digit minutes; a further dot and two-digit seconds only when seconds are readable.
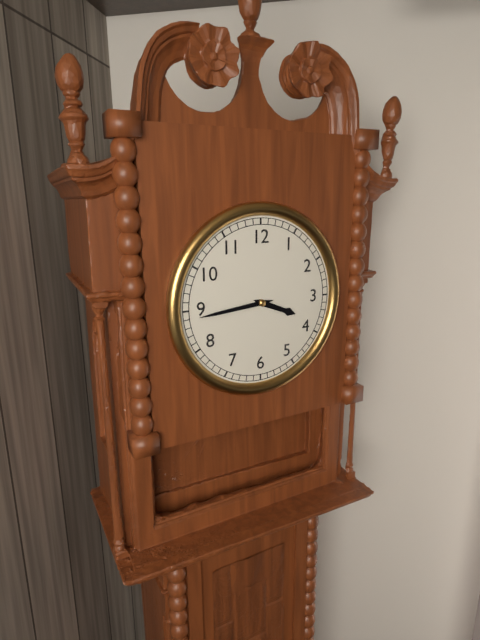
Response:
3.44
